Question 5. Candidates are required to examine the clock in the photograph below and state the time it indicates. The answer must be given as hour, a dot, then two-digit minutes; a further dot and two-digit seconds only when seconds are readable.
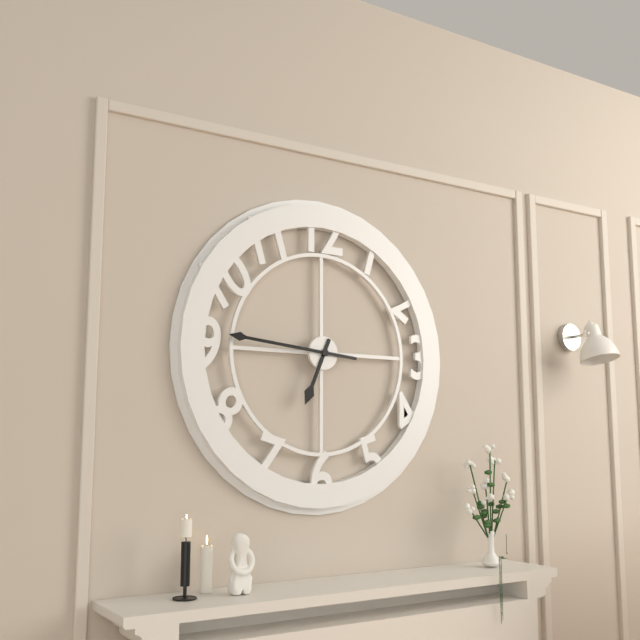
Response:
6.46
